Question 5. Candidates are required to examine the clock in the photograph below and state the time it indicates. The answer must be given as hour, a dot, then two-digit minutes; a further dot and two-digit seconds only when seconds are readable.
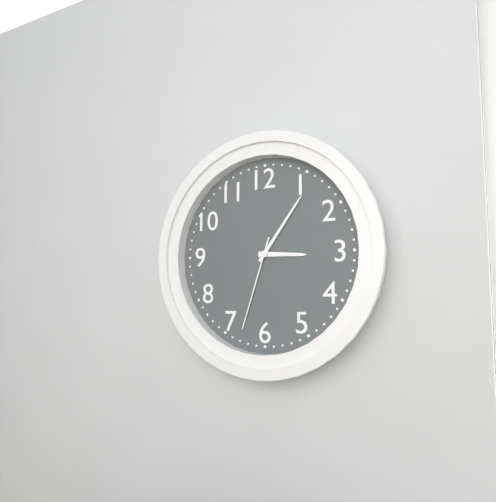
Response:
3.06.33
